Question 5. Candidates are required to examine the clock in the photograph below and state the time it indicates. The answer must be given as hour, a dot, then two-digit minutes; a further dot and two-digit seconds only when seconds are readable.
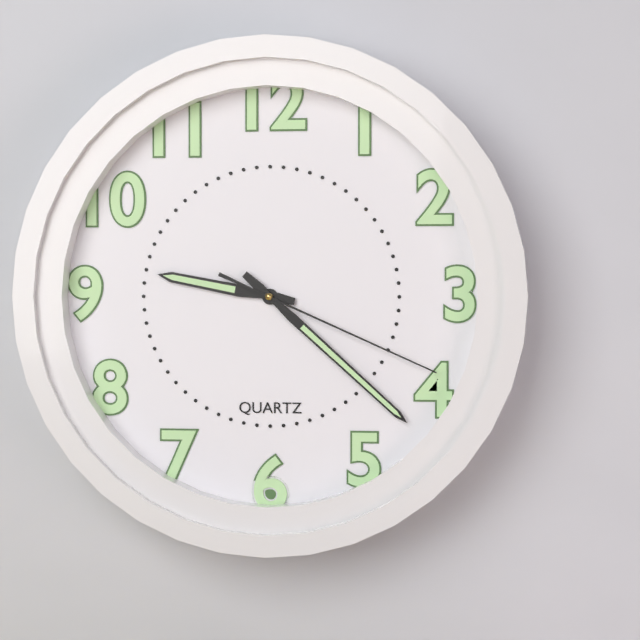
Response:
9.22.19
